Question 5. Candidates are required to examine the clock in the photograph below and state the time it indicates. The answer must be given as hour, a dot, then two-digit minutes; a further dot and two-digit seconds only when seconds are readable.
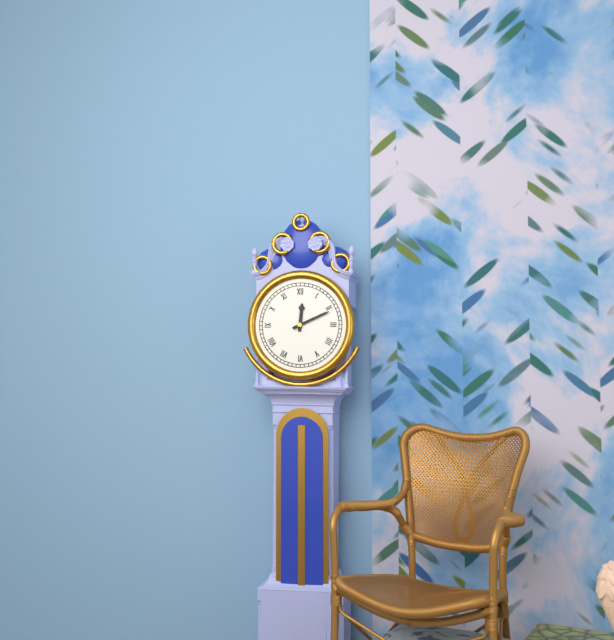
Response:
12.11
